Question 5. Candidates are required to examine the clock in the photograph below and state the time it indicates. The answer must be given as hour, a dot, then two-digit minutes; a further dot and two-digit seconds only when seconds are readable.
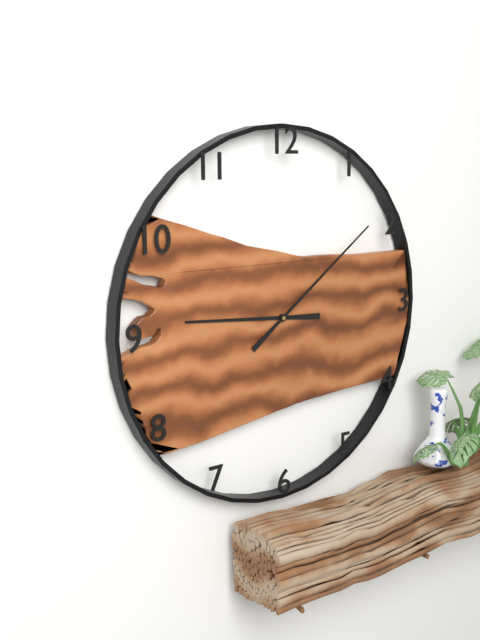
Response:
9.09
